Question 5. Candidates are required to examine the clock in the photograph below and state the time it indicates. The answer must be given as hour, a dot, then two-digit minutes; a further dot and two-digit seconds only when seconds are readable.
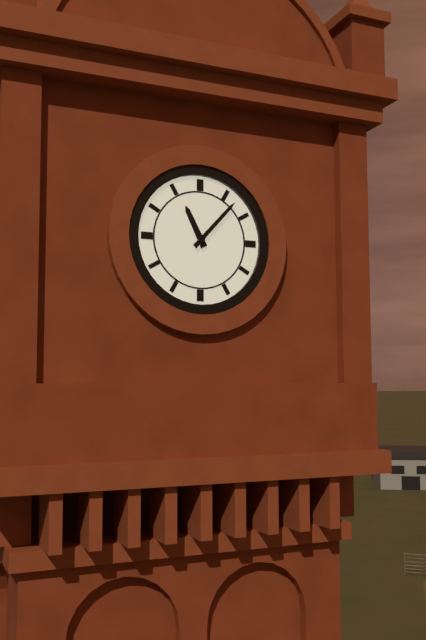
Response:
11.07
